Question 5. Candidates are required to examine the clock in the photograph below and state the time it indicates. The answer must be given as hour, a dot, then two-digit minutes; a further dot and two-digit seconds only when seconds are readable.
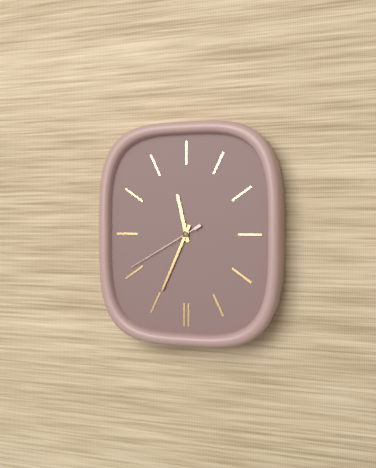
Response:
11.34.40
